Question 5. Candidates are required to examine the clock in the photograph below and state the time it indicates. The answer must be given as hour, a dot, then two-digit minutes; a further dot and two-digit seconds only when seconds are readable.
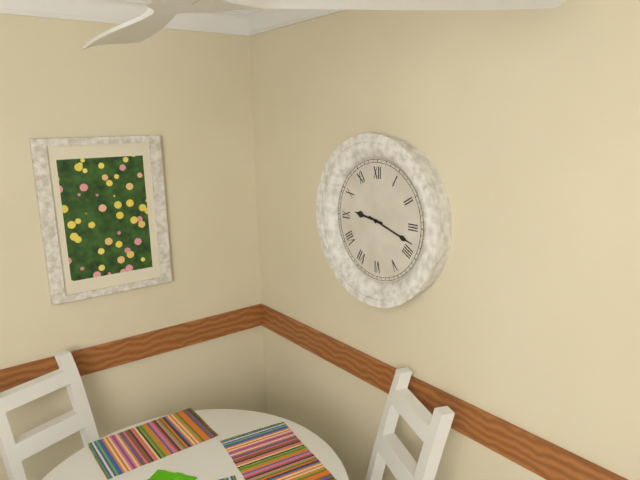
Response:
9.18
